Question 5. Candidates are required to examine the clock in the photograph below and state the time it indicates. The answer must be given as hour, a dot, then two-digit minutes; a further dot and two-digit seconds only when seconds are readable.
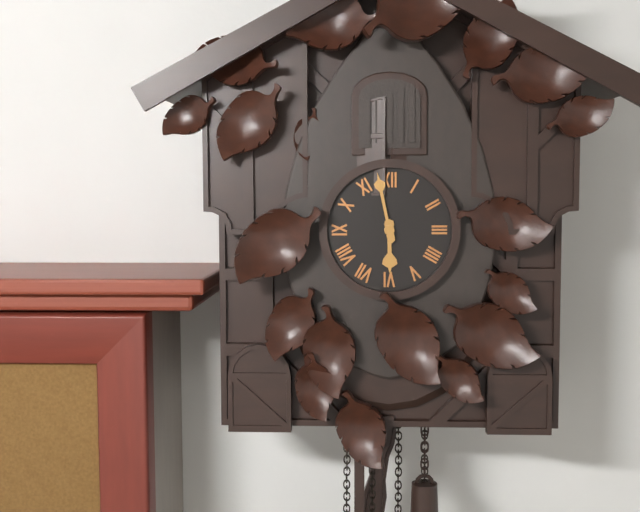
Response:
5.58
